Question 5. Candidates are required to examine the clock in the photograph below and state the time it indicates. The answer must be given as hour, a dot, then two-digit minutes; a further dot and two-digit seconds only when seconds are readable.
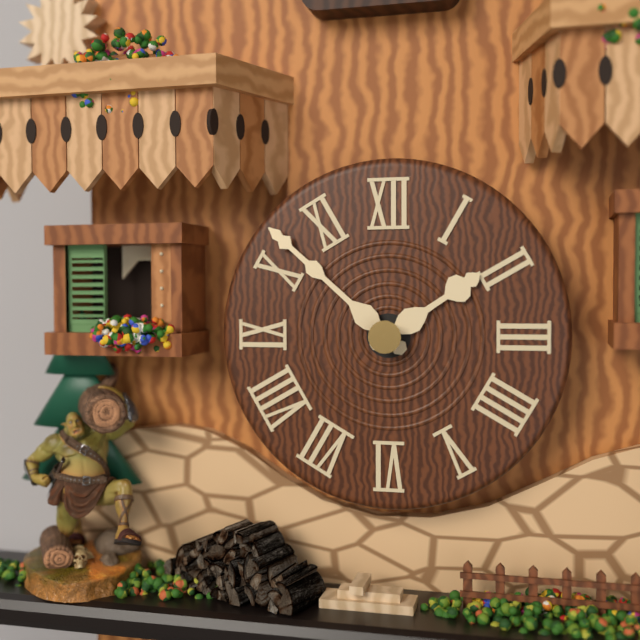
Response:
1.52
